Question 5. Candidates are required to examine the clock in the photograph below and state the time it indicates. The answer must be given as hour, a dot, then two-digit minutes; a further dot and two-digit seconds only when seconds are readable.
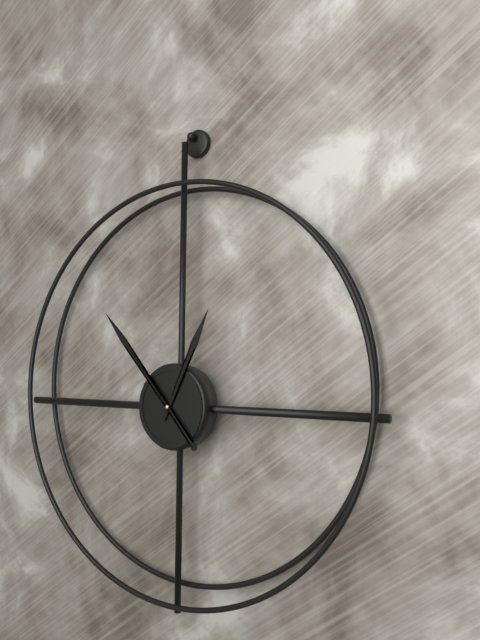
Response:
12.53
